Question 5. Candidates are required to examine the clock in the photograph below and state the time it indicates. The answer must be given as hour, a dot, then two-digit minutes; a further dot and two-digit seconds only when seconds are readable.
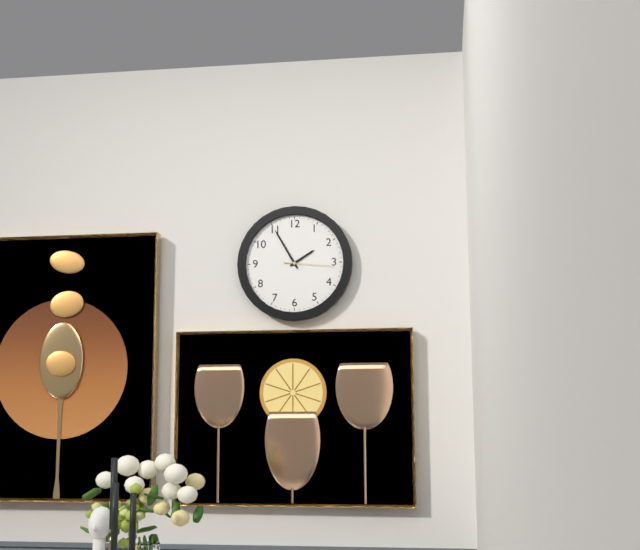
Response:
1.55.16
